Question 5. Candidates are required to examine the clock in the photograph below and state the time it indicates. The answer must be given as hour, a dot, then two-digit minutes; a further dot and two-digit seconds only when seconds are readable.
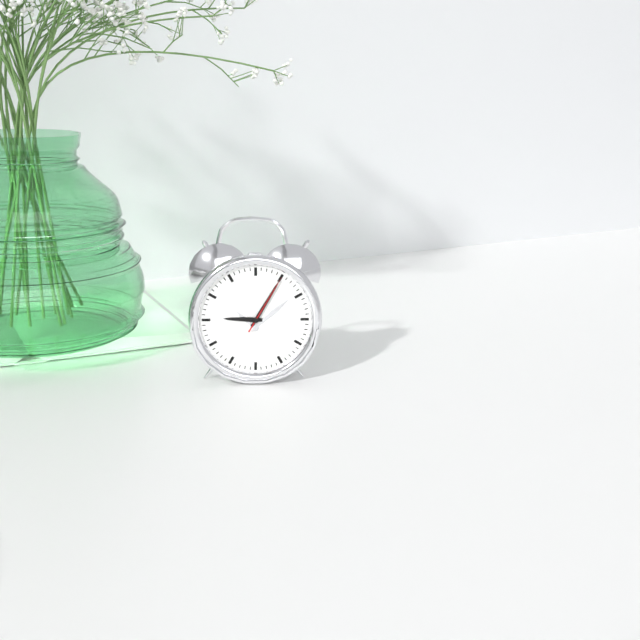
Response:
9.05.05
